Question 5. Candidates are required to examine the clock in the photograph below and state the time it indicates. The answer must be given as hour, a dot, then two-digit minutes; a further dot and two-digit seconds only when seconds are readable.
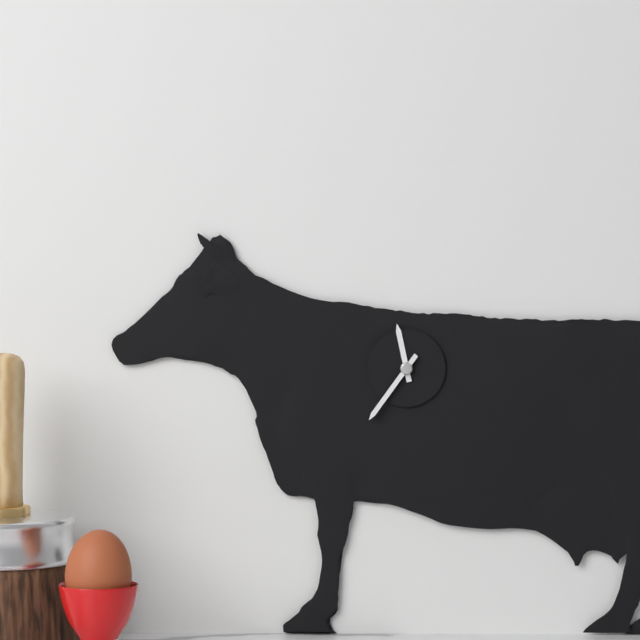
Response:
11.36
